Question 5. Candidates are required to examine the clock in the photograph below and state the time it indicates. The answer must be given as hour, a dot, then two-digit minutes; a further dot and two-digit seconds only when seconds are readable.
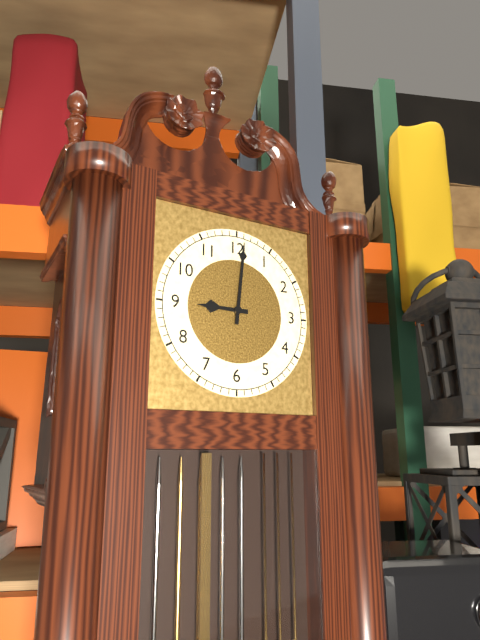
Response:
9.01
